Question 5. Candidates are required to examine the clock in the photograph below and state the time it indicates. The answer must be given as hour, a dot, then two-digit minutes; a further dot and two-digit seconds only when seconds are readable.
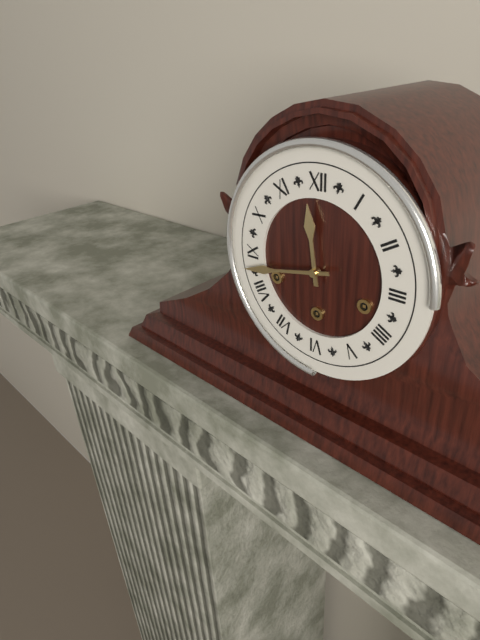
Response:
11.43
